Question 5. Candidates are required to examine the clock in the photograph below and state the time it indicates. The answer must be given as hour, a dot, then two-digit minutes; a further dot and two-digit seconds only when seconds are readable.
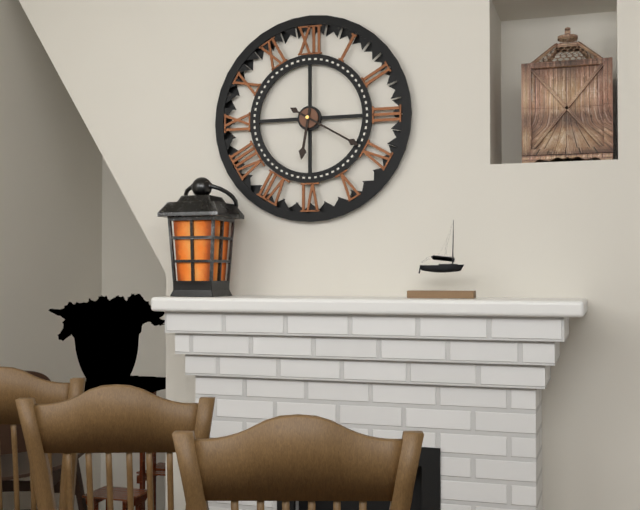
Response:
6.20
